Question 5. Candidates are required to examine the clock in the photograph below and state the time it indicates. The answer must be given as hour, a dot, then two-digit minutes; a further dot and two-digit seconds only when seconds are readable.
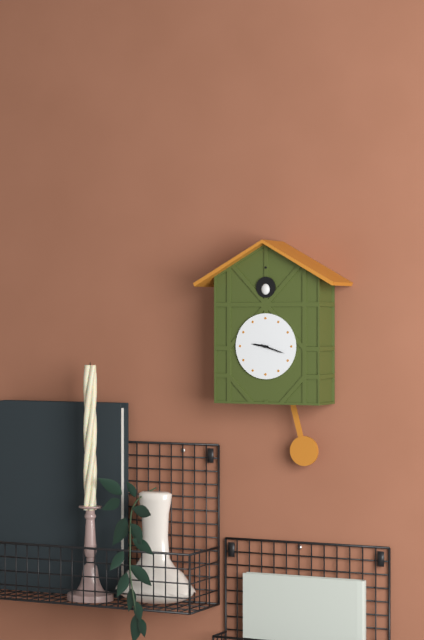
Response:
9.18
